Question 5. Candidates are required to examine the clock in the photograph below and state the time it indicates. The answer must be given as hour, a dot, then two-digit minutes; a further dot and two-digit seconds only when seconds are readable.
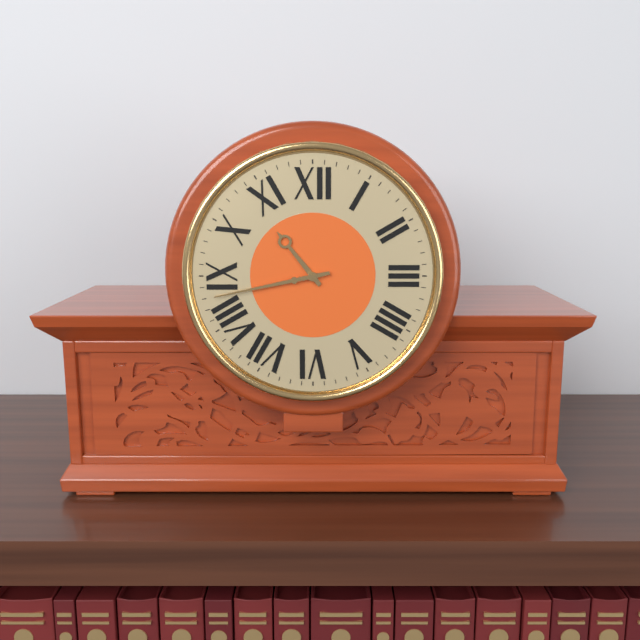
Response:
10.43
